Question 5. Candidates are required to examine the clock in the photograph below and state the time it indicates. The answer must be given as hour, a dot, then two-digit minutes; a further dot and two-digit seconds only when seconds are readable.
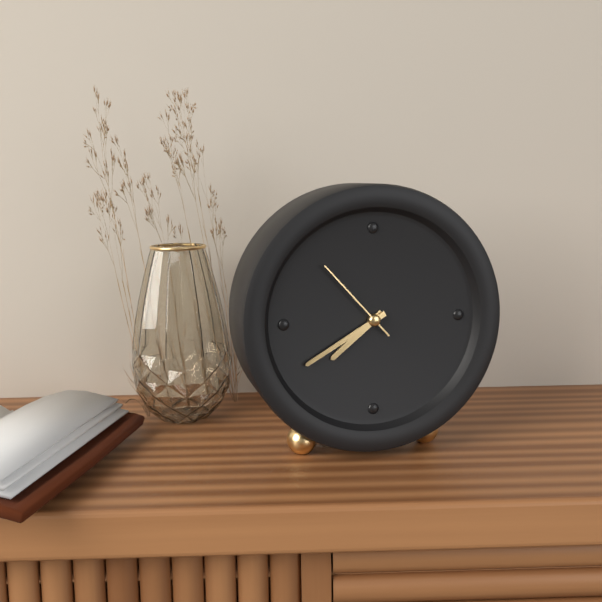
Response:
7.40.53
